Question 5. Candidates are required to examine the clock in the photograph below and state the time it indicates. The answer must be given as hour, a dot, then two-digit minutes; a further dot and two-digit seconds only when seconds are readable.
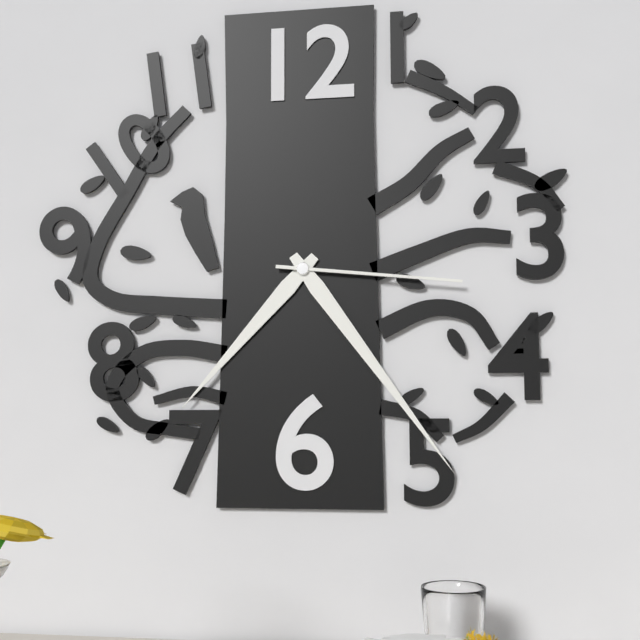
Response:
7.24.16
